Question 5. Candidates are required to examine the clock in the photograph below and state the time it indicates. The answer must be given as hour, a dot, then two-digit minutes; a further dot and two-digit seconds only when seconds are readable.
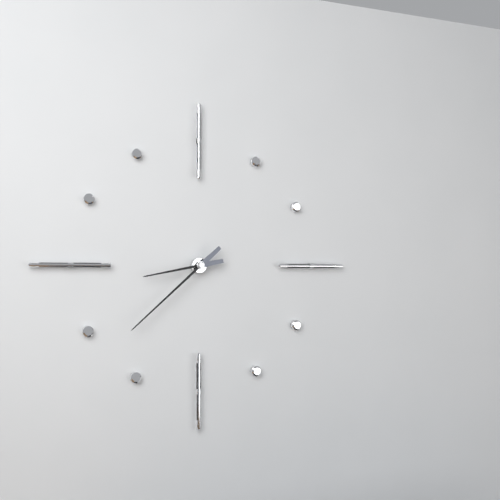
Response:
8.38
